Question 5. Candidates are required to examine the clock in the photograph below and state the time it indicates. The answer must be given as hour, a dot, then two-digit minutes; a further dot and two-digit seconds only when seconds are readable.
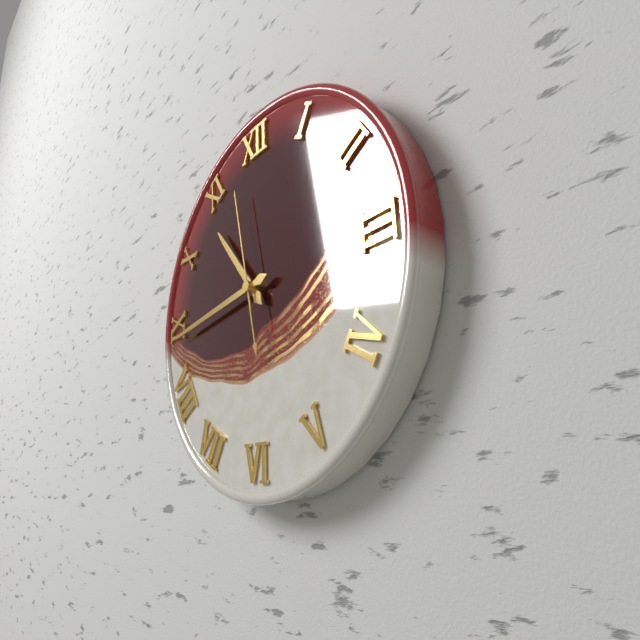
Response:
10.44.58
